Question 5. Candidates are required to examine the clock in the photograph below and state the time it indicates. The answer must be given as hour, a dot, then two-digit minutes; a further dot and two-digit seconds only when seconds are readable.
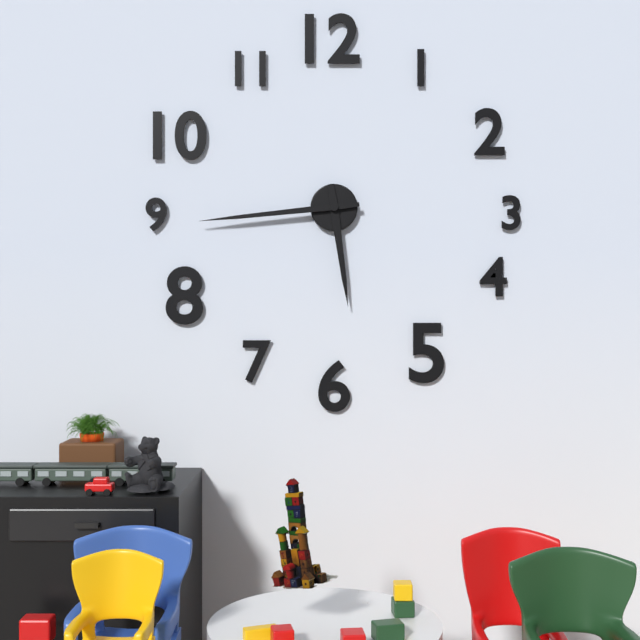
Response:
5.44
